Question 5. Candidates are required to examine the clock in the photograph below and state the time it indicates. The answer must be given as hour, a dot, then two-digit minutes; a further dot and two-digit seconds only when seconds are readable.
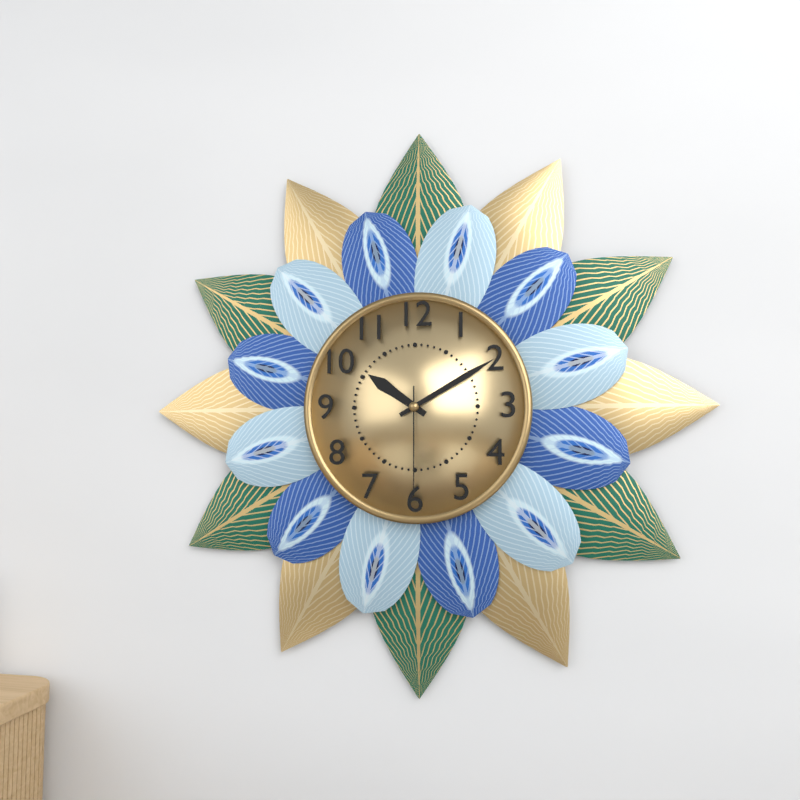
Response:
10.10.30
